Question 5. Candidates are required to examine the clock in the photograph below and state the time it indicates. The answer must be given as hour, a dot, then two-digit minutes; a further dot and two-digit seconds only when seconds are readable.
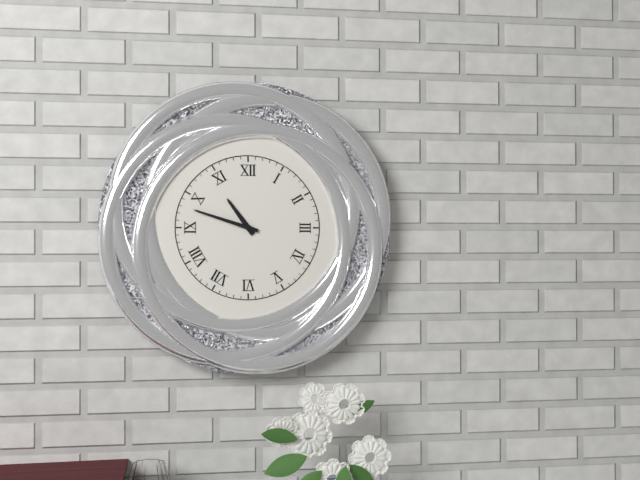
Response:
10.48
